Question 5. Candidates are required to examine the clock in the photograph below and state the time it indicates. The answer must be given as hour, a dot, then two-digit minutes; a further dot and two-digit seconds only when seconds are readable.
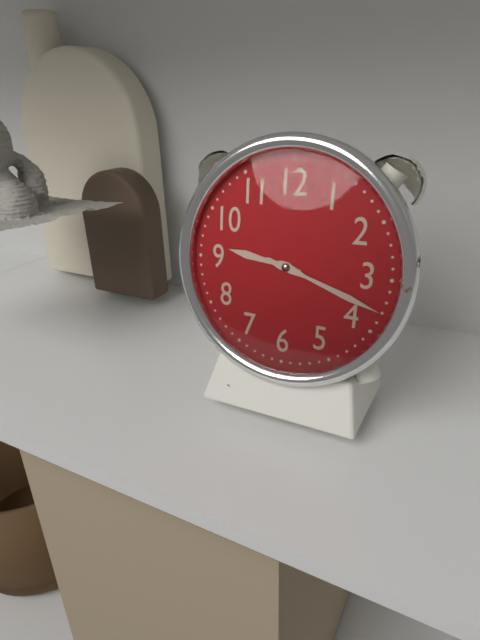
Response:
9.18
